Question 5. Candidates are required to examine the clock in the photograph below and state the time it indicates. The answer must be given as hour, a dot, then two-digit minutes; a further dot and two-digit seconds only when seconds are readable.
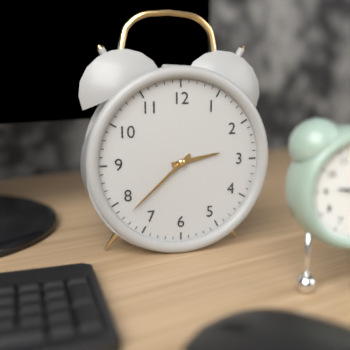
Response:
2.38
